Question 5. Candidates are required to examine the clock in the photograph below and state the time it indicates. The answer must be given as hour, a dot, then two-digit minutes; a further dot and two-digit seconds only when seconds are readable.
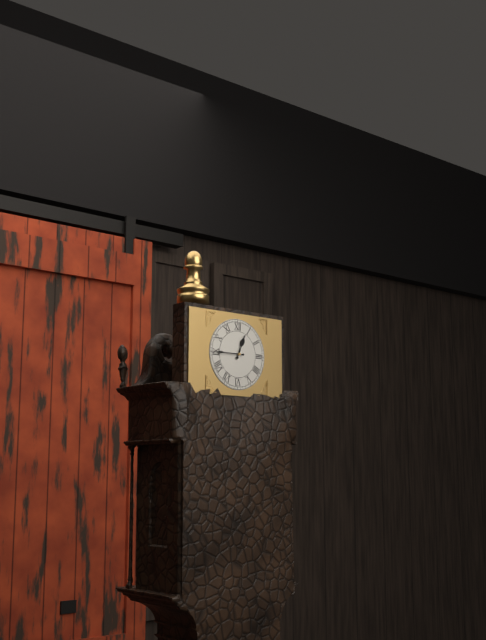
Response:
12.45
